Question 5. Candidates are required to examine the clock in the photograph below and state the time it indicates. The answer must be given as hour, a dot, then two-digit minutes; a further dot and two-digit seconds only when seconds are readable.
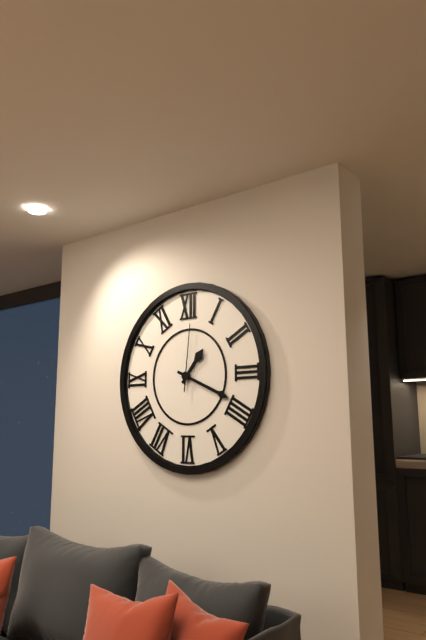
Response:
1.19.01
